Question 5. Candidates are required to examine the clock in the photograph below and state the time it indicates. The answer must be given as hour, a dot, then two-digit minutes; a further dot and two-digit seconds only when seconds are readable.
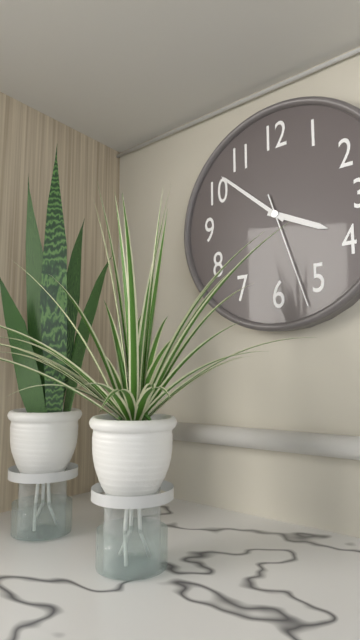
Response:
3.52.27
